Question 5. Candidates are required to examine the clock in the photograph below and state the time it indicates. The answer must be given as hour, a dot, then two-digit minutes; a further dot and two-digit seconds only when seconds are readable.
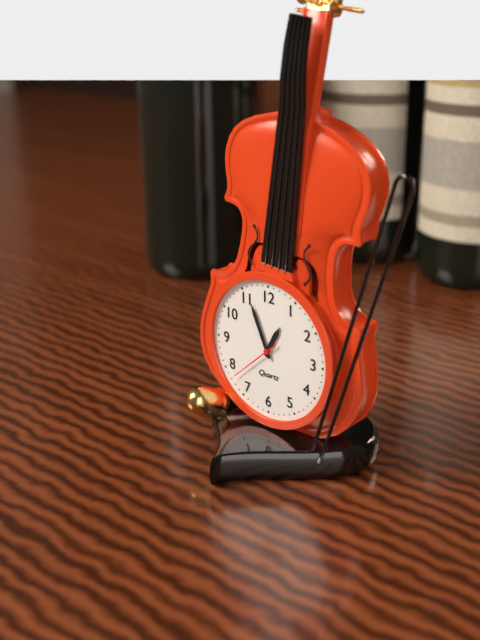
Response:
12.56.38
